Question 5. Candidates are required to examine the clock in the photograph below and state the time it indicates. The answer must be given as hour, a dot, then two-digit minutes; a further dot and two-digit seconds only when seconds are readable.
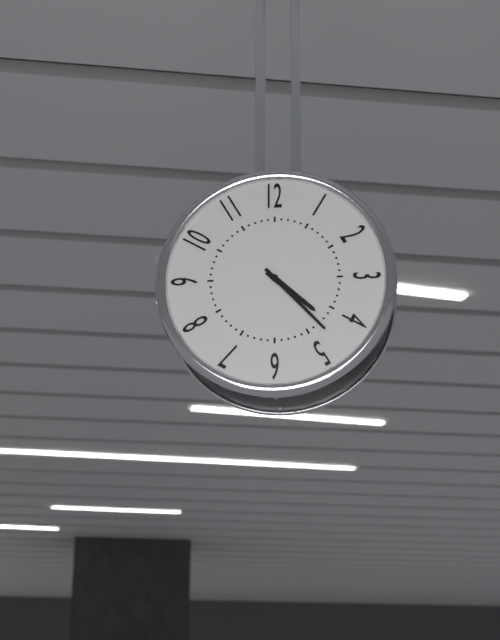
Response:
4.23
